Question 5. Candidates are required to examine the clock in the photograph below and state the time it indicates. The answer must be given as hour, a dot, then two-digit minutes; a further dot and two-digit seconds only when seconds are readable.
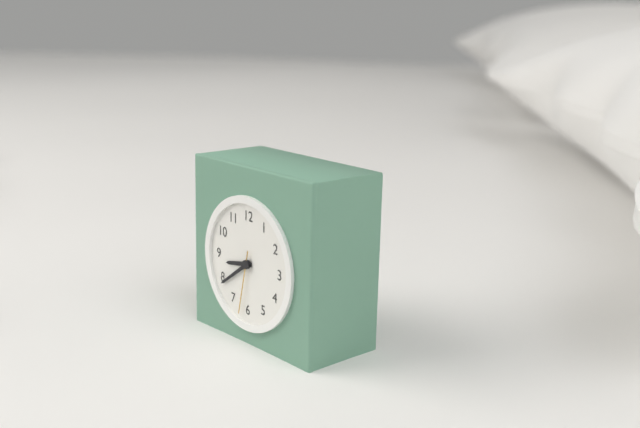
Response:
8.39.32
